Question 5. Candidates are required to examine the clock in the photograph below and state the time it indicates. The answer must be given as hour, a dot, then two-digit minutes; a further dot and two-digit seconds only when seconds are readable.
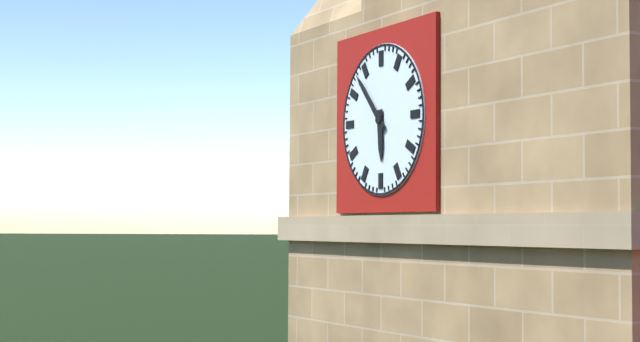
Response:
5.53
